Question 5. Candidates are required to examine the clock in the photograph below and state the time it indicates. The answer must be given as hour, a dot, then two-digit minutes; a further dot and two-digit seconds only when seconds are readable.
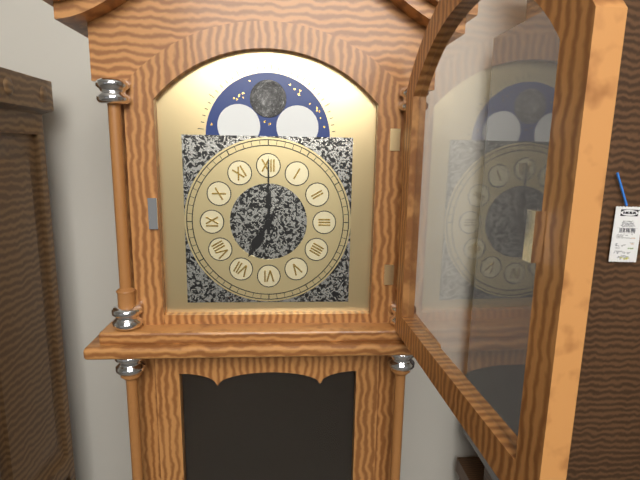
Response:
7.00
